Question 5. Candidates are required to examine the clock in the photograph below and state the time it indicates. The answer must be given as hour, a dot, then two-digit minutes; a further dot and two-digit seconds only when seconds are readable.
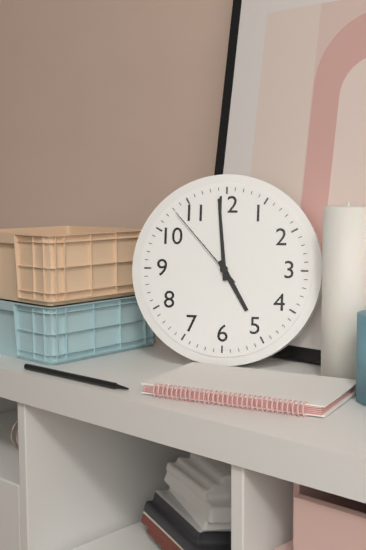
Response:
4.59.53
